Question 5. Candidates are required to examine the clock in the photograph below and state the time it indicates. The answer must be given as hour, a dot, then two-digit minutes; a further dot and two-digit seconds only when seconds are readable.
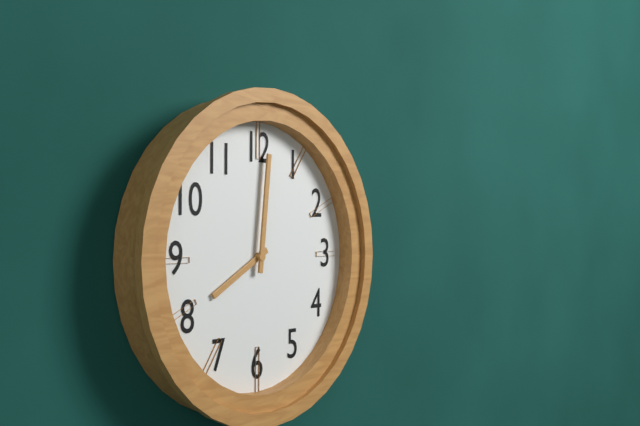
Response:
8.01
